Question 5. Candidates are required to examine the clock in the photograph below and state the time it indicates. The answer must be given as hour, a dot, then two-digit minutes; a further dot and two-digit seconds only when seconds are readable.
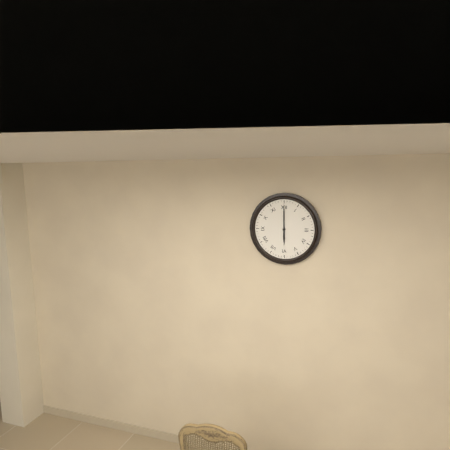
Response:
6.00
